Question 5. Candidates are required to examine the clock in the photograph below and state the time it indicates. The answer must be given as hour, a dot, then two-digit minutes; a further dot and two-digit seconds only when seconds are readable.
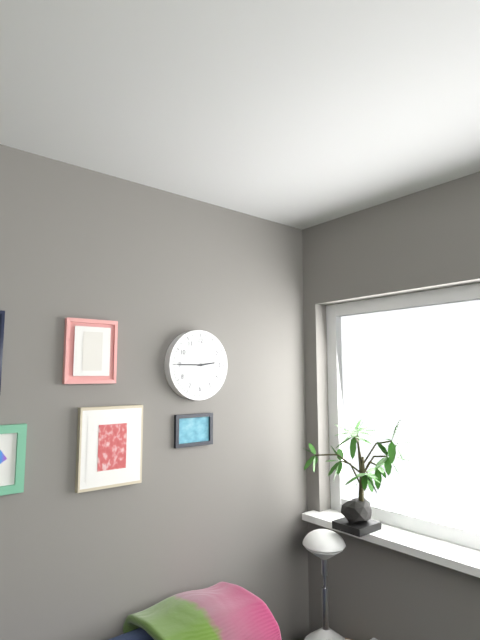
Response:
2.45
